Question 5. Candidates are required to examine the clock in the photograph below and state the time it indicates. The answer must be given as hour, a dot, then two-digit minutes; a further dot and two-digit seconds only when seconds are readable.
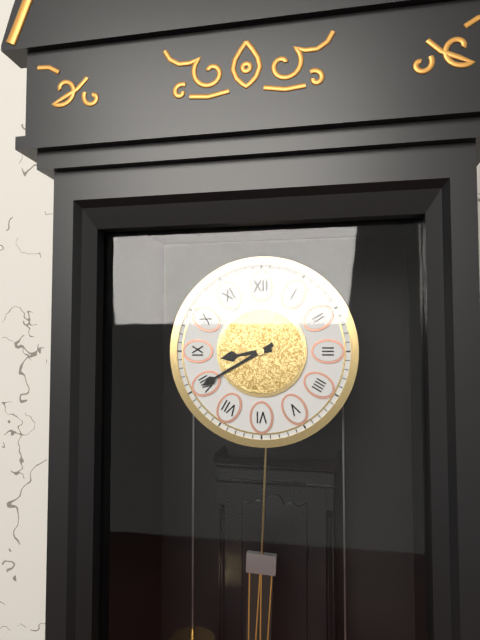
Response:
8.40
